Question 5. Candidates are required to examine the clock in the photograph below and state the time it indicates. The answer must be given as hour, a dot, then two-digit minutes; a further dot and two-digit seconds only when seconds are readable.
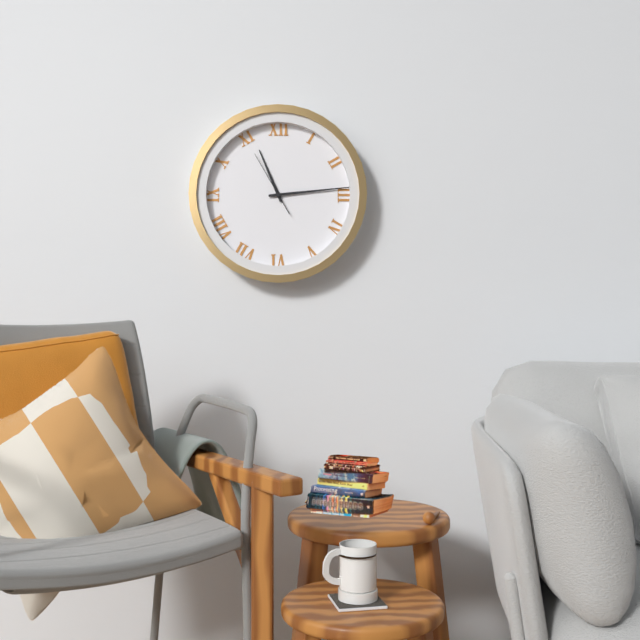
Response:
11.14.55
